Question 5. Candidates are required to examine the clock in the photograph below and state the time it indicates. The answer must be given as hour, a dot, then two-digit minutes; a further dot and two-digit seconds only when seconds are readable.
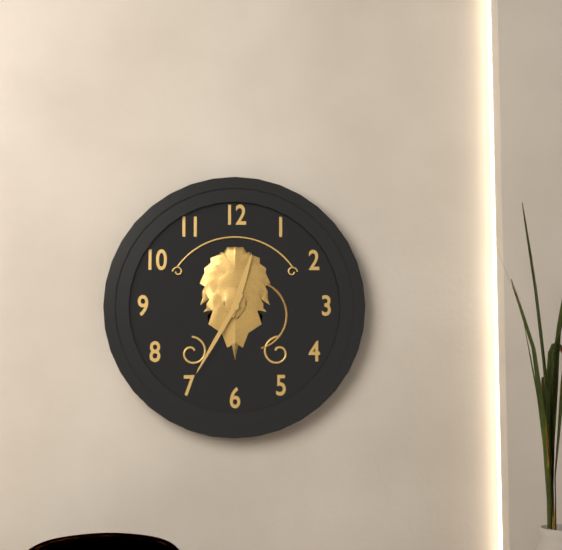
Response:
12.35
